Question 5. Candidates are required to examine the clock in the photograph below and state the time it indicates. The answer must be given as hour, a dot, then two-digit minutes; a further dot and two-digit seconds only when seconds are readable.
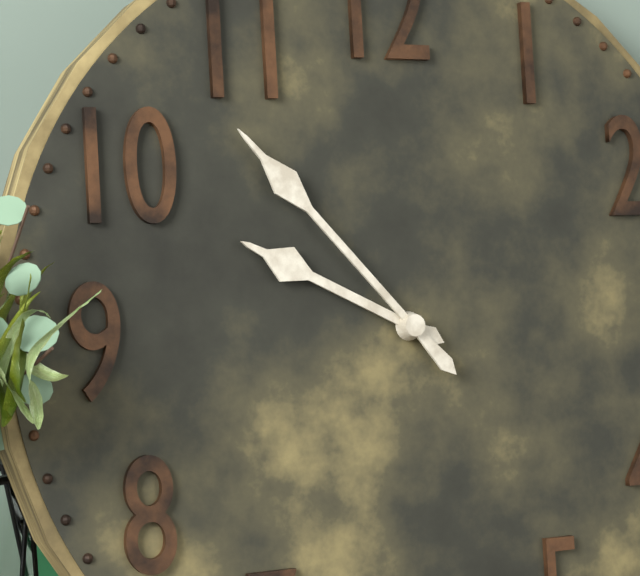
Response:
9.53
